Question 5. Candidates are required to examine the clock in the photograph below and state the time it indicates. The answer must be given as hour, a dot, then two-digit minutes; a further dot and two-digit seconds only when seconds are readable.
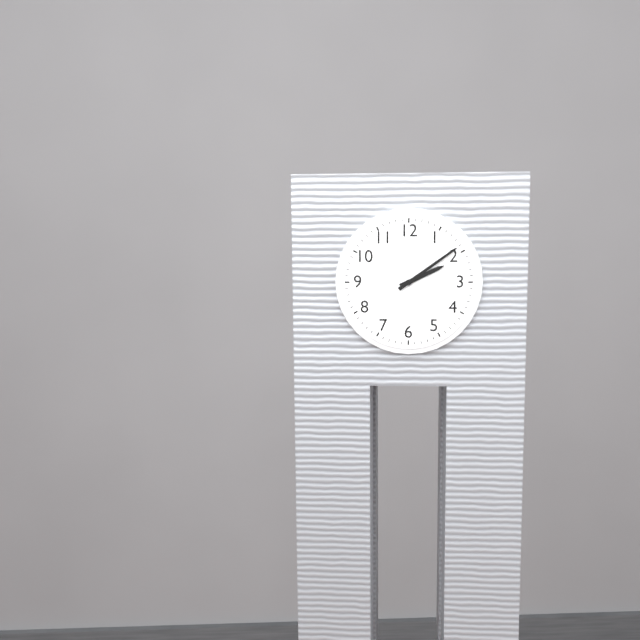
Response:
2.09
